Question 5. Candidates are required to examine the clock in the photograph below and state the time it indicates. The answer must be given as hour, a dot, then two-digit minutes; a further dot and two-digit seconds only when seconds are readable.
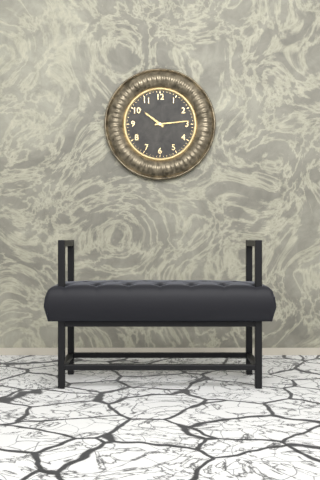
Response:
10.14
